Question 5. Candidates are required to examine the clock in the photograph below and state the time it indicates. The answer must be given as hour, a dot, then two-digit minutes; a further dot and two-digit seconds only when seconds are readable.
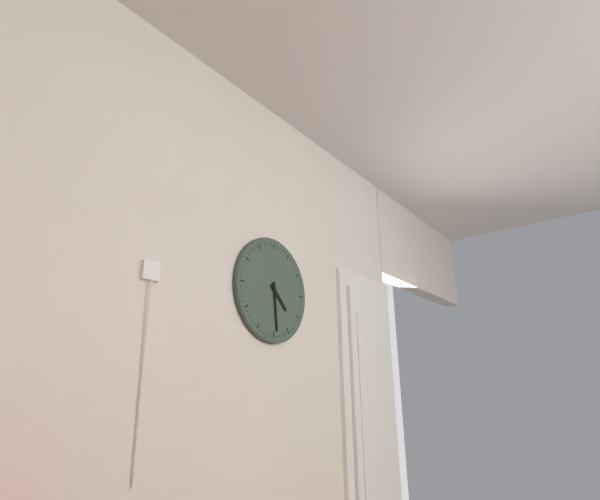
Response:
4.29
